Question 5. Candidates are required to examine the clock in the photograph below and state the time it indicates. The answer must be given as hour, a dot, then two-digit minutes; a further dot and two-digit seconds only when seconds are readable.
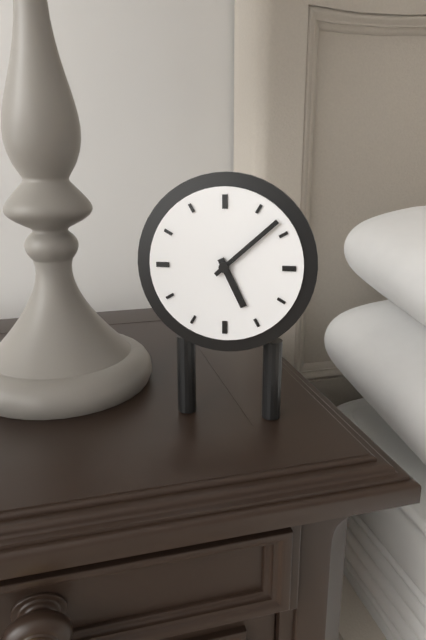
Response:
5.08
